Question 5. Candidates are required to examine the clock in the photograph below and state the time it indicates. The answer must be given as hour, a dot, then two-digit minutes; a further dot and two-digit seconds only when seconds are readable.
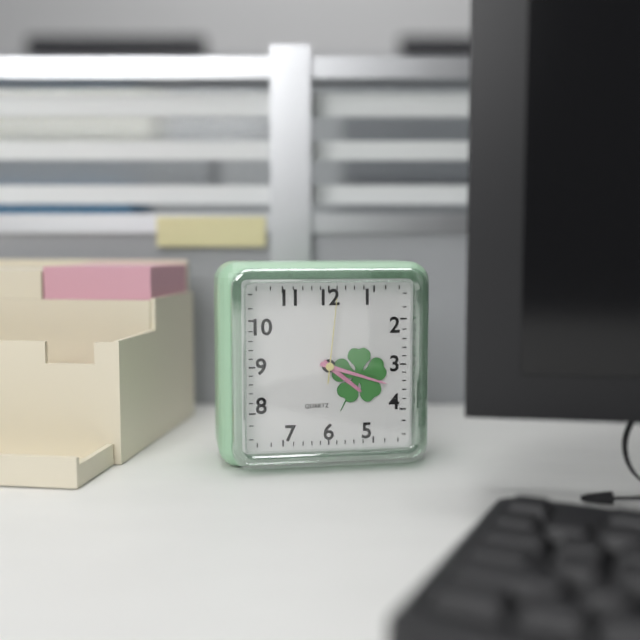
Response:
4.18.01
